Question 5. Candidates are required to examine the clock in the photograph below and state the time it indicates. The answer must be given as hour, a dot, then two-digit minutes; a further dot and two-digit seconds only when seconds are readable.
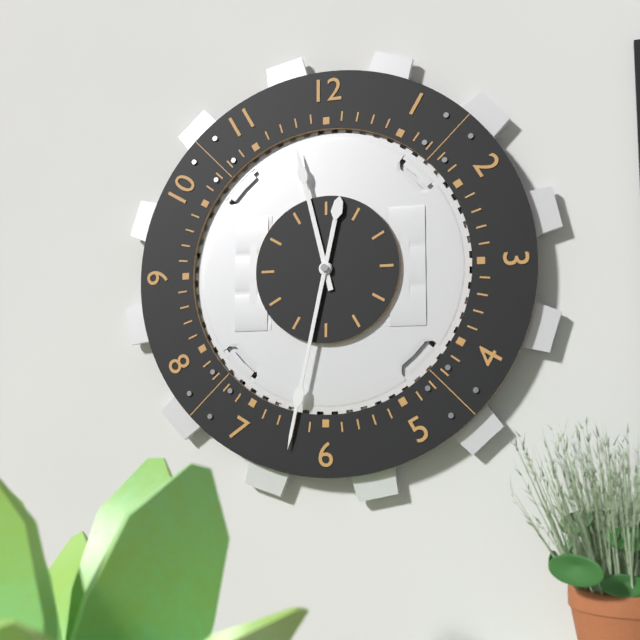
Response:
11.32
